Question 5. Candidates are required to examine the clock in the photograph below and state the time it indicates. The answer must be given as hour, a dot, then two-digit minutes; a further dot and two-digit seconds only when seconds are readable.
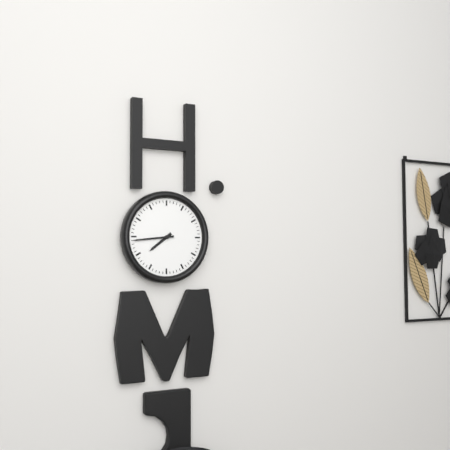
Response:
7.44
